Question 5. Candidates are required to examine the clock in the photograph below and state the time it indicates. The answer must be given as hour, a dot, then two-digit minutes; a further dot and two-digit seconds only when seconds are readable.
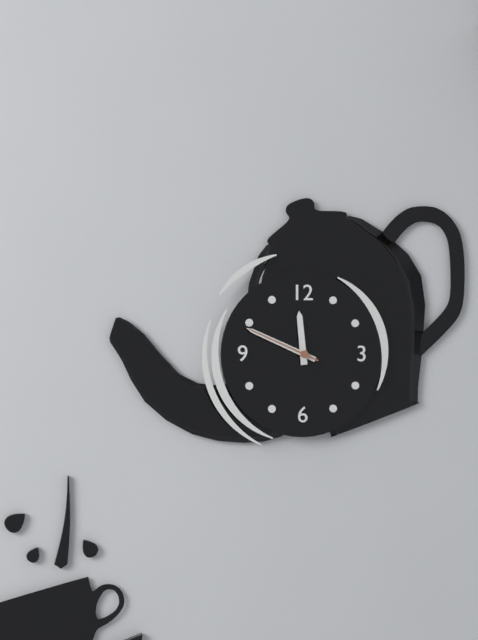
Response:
11.49.49
